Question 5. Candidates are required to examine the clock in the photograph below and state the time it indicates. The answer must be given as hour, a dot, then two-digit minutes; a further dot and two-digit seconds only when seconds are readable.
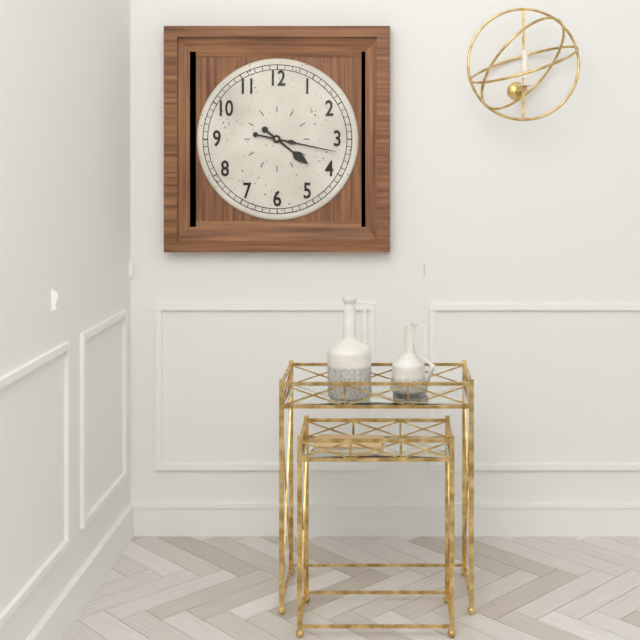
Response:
4.17
